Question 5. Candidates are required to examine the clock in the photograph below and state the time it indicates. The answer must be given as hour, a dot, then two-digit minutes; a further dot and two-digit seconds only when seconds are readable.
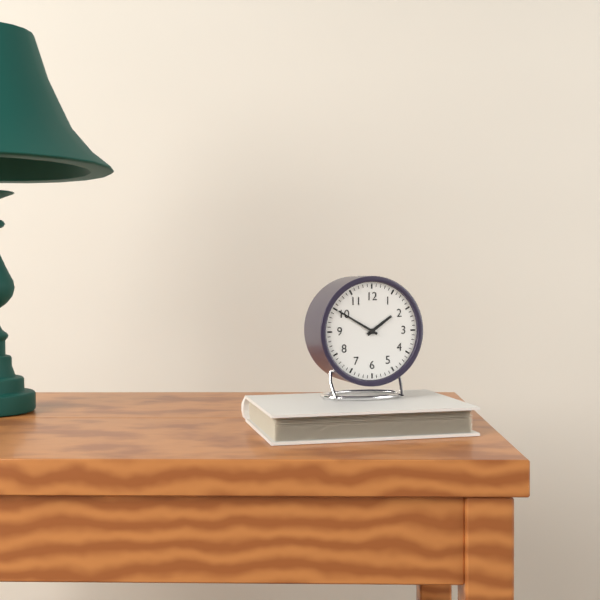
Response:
1.50
